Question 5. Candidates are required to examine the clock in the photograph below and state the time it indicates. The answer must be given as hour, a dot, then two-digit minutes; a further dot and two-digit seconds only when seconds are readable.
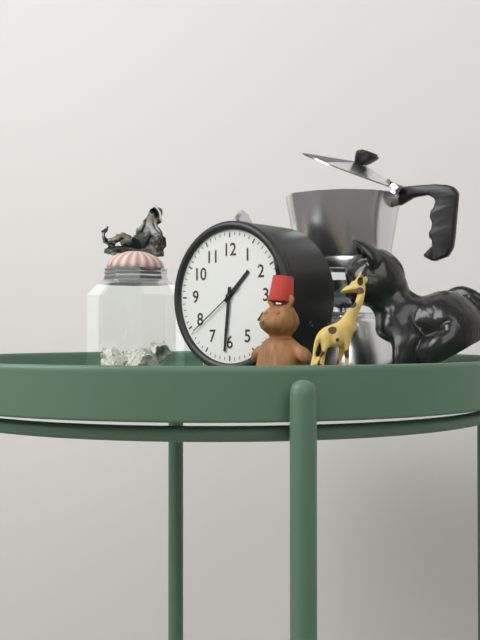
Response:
1.31.39
